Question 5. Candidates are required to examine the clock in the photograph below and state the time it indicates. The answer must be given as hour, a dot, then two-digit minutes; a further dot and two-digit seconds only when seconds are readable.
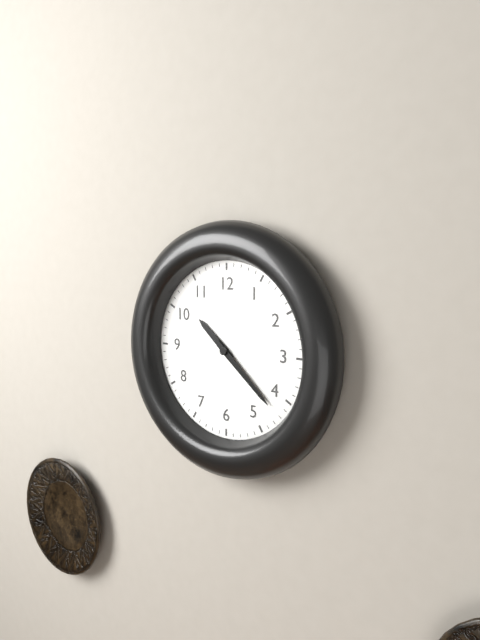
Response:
10.22
